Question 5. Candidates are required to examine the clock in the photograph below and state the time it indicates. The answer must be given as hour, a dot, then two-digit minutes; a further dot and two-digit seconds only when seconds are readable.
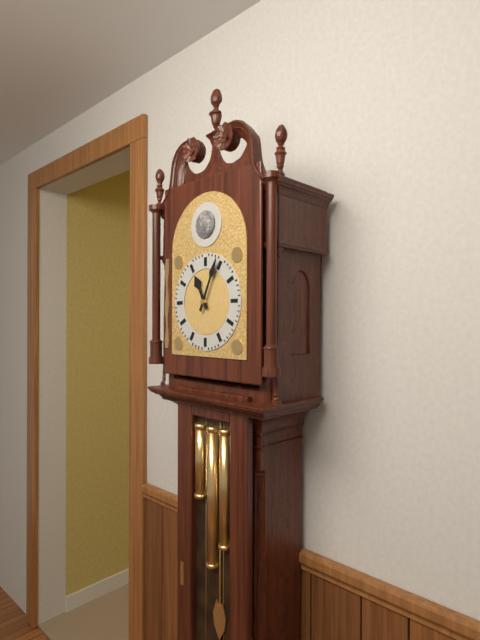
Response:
11.04
